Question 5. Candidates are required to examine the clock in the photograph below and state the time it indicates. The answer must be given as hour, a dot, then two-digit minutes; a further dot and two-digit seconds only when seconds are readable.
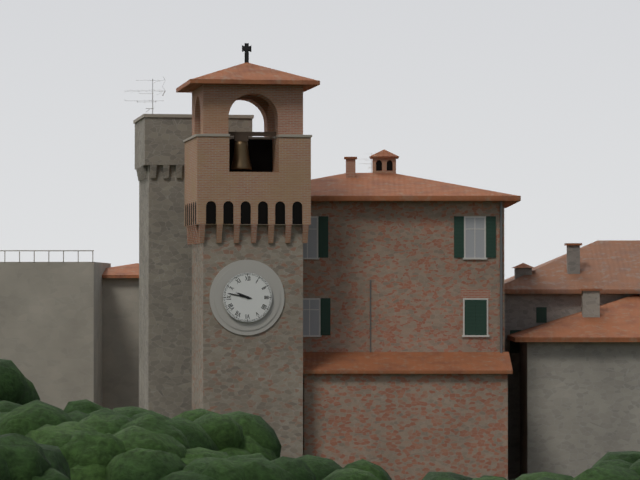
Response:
9.47
